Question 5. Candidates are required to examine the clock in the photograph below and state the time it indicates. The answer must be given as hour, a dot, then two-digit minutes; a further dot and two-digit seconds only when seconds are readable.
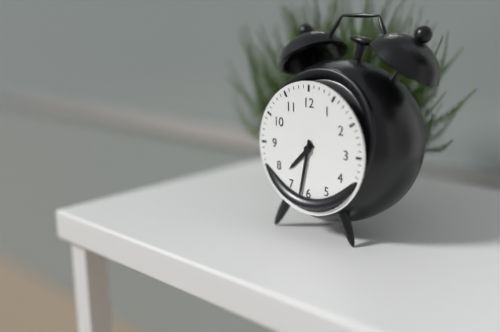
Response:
7.32
